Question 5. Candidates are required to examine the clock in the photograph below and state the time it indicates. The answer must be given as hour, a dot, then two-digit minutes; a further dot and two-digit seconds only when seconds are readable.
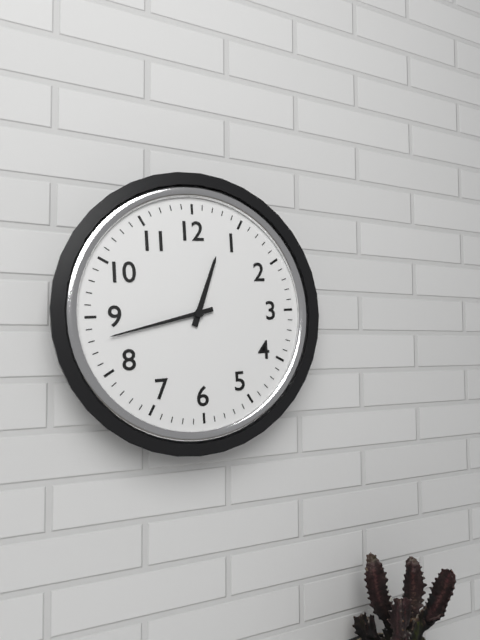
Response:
12.43
